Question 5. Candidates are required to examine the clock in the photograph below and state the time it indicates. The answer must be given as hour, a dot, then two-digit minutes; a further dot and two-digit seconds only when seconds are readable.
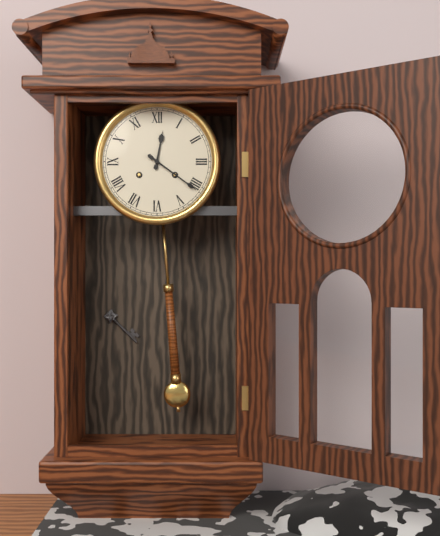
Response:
12.21
